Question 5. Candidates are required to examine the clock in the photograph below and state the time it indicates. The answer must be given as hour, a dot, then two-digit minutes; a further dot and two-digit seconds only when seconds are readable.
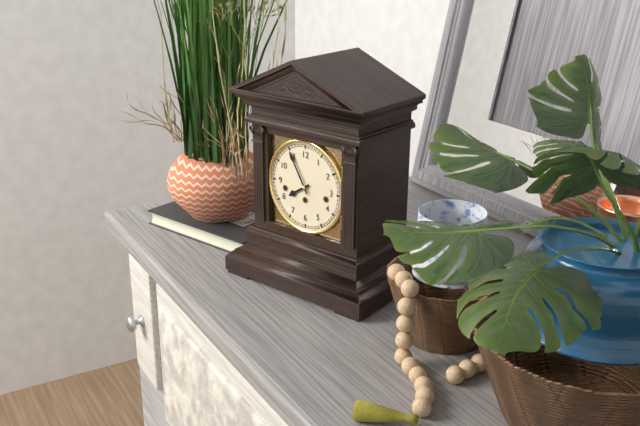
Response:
7.55
